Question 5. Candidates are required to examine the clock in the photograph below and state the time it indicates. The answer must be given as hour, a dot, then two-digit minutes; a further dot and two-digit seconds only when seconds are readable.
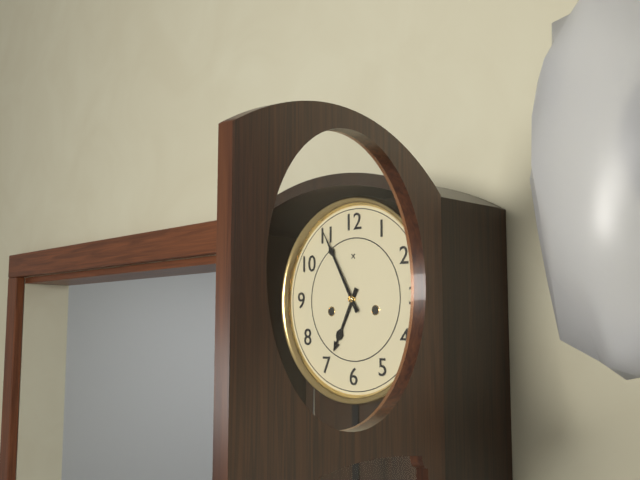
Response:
6.55
